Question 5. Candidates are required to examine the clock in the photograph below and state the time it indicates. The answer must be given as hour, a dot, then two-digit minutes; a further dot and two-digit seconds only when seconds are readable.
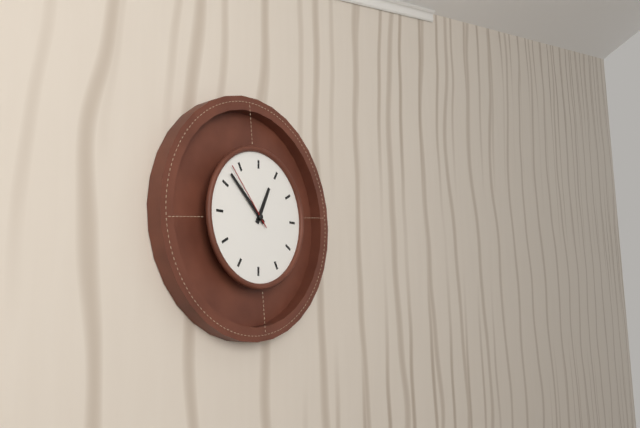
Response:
12.52.53
